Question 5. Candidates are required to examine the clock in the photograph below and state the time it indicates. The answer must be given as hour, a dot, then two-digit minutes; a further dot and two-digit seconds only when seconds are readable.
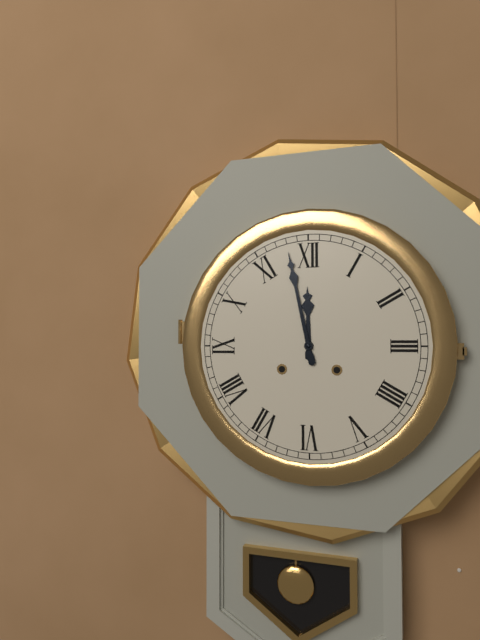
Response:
11.58
